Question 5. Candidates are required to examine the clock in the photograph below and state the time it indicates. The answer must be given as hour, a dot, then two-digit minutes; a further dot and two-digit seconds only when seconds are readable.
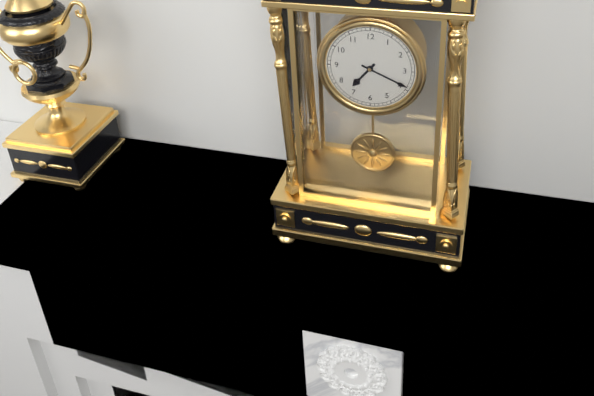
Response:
7.19
